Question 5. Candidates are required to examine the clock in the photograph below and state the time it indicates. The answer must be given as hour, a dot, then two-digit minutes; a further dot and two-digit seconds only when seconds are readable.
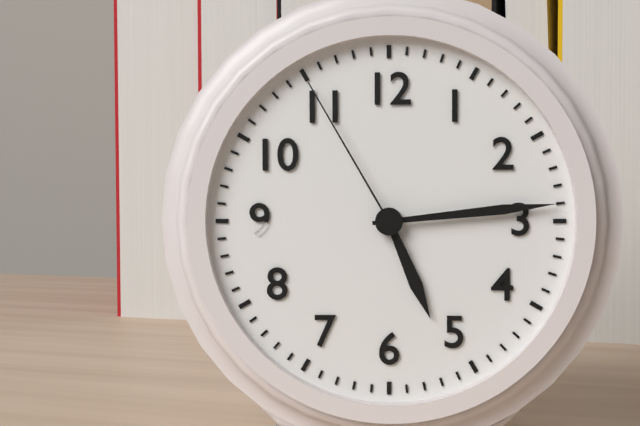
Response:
5.14.55
